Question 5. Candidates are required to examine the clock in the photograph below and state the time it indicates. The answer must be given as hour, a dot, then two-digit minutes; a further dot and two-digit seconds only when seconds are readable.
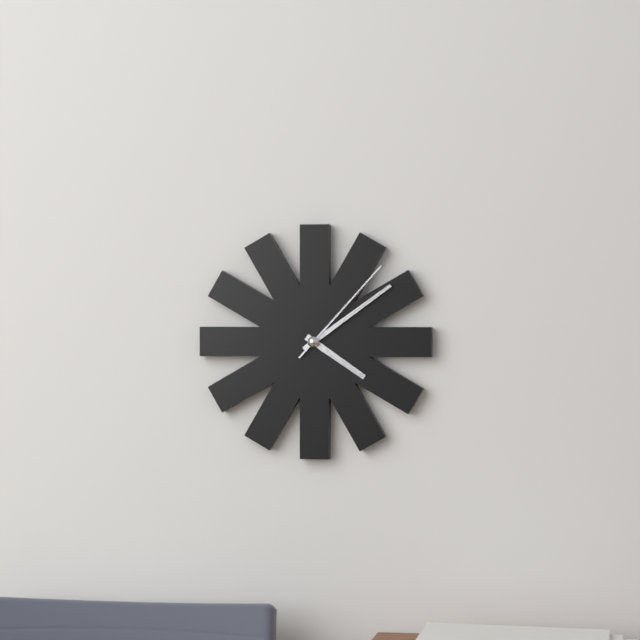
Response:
4.09.07
